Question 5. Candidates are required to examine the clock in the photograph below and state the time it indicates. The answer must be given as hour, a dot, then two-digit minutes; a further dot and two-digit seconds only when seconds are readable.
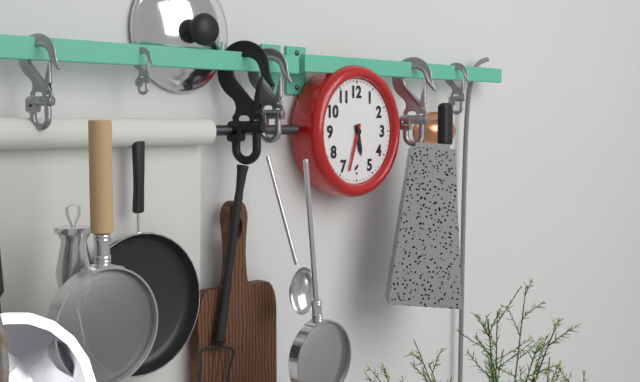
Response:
5.33
